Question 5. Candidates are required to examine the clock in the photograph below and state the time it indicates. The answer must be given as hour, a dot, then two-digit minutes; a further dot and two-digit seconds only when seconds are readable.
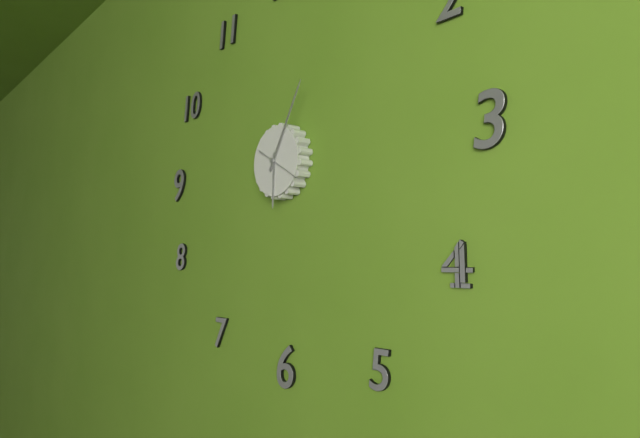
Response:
6.05
